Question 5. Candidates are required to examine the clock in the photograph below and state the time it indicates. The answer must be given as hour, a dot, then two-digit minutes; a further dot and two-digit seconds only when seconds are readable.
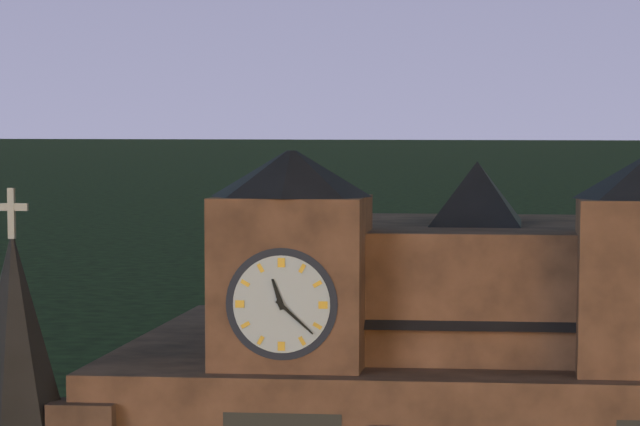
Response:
11.22
